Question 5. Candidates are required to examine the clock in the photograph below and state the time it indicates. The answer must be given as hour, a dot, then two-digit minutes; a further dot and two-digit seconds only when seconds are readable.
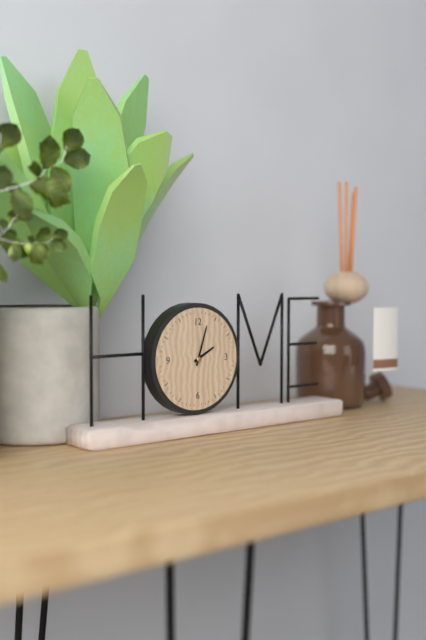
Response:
2.03
